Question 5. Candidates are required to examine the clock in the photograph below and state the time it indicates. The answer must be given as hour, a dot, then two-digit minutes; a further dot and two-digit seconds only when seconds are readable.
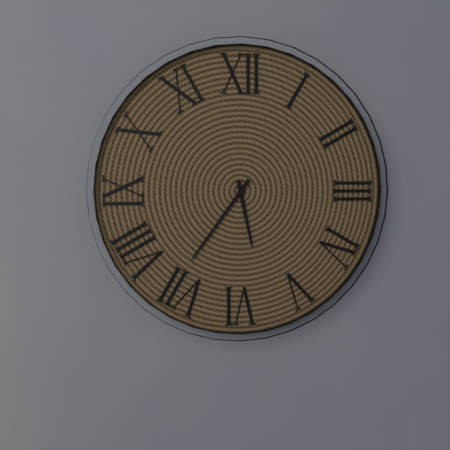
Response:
5.36
